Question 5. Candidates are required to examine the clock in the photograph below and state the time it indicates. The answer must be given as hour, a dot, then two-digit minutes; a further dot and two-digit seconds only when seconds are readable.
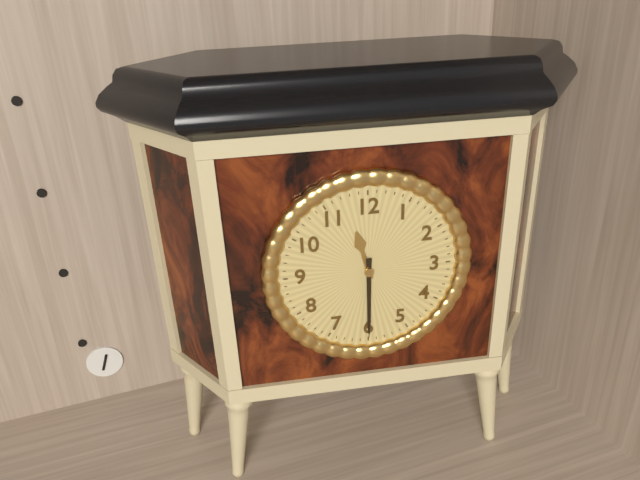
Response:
11.30
